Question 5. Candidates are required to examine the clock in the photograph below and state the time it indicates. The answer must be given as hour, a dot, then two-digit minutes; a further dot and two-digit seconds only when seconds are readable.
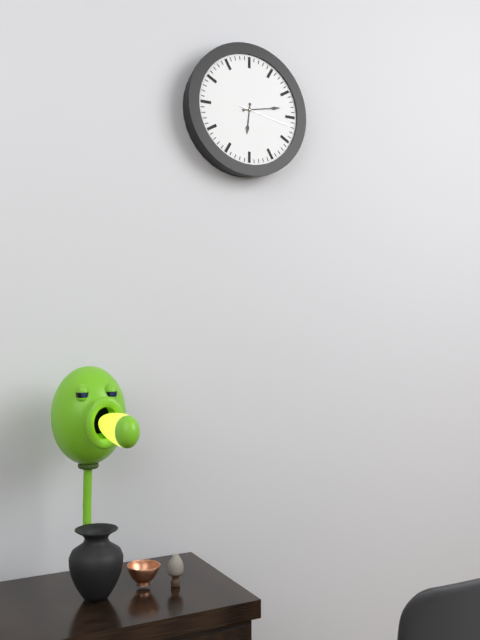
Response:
6.13.17
